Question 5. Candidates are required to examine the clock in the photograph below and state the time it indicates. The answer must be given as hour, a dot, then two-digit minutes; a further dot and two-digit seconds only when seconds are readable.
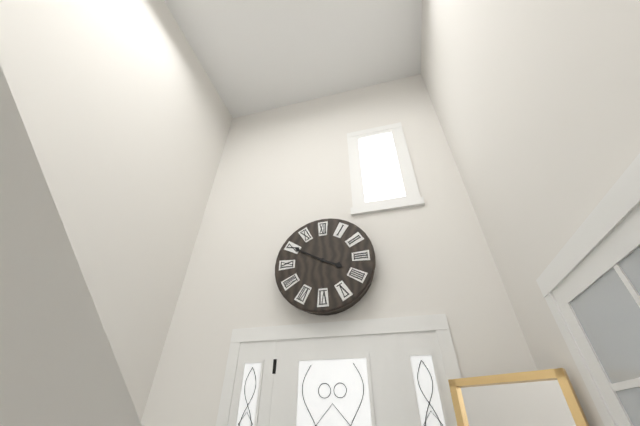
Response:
3.50
